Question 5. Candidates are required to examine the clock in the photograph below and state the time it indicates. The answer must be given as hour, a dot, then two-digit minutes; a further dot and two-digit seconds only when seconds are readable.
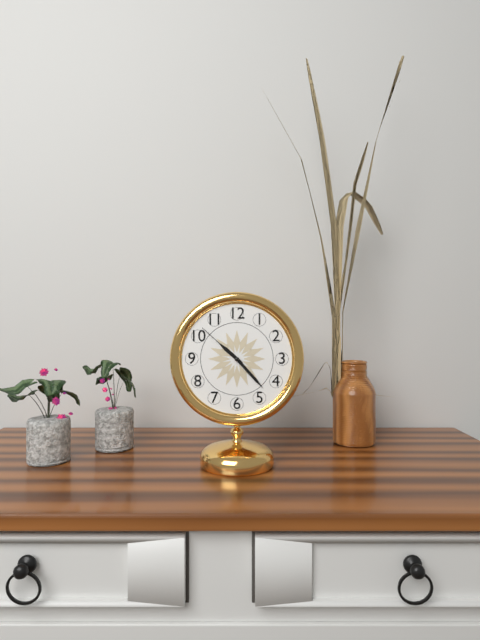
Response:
10.23.52
